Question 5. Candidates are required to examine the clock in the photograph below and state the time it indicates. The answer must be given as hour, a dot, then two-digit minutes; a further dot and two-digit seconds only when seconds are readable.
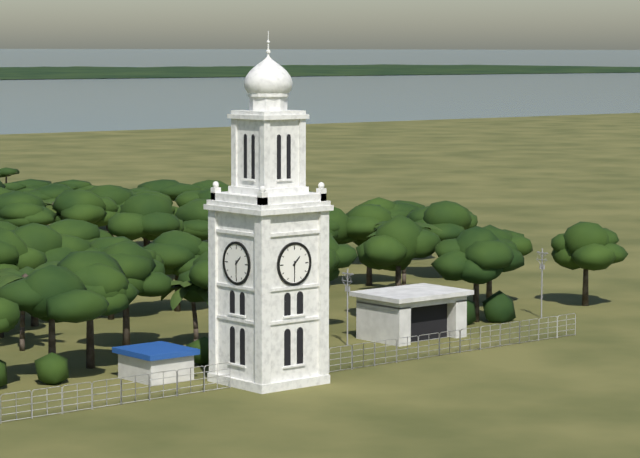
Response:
1.30
